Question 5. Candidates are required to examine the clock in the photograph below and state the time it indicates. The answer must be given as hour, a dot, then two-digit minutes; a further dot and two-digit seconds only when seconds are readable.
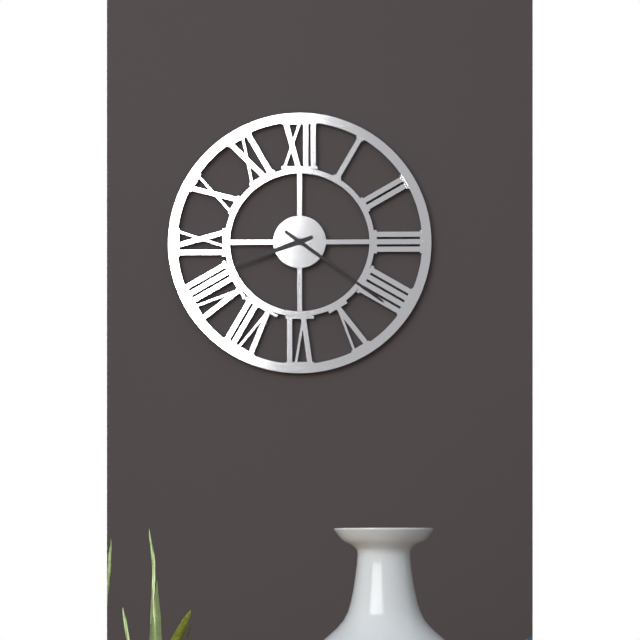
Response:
8.21
